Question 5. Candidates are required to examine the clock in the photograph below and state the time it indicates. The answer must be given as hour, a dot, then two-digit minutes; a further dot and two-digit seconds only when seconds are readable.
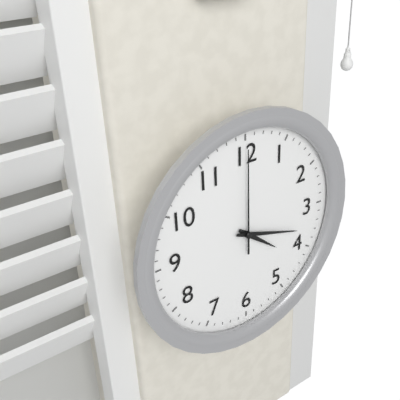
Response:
4.18.00
